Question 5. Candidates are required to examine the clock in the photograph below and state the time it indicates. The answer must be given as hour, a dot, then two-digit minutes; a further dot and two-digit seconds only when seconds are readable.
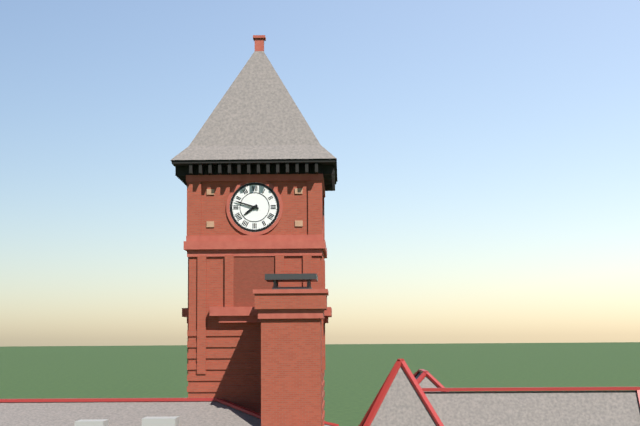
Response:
7.48
